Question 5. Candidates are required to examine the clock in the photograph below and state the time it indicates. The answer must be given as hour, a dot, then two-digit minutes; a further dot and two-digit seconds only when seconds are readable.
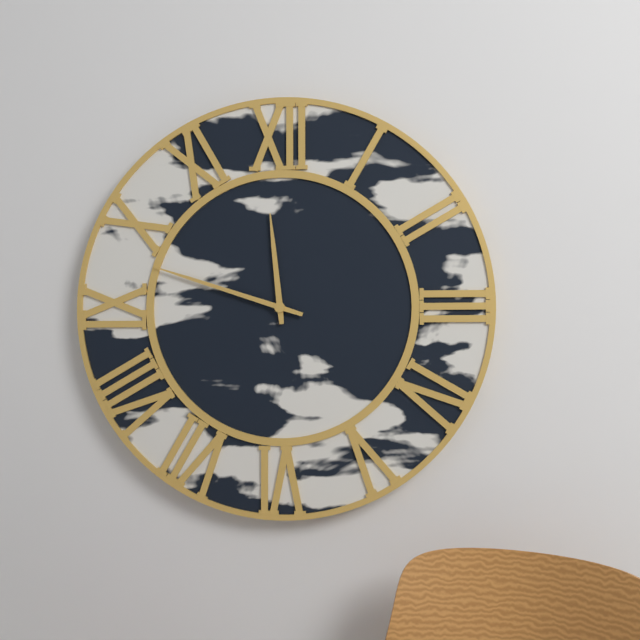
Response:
11.48
